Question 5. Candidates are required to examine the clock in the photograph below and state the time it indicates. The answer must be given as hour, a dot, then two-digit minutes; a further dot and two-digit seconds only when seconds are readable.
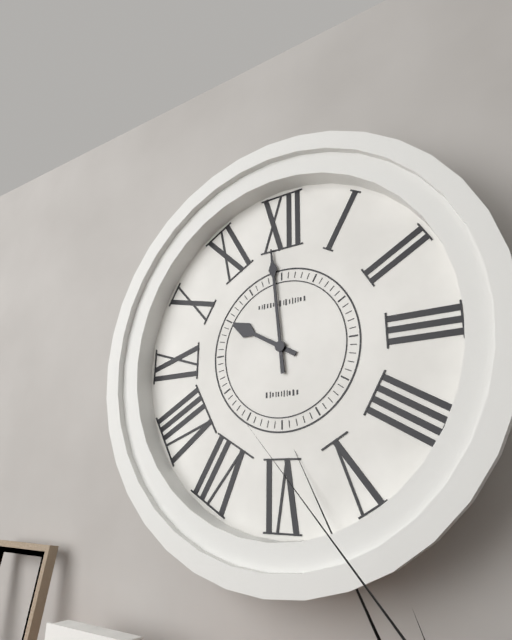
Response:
9.59
